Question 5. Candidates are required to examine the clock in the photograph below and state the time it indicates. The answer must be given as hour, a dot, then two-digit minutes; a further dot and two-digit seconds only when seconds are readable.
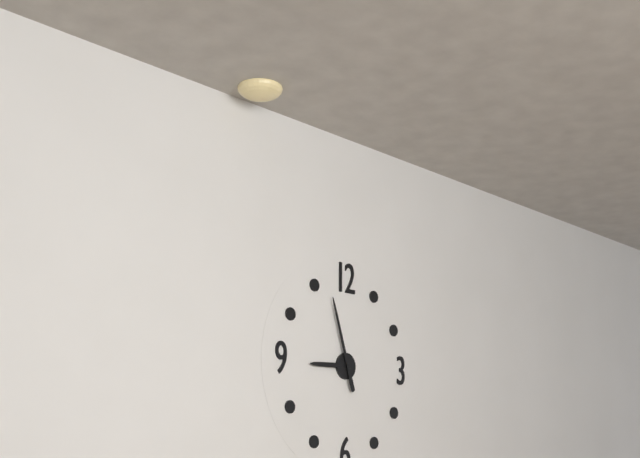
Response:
8.57
